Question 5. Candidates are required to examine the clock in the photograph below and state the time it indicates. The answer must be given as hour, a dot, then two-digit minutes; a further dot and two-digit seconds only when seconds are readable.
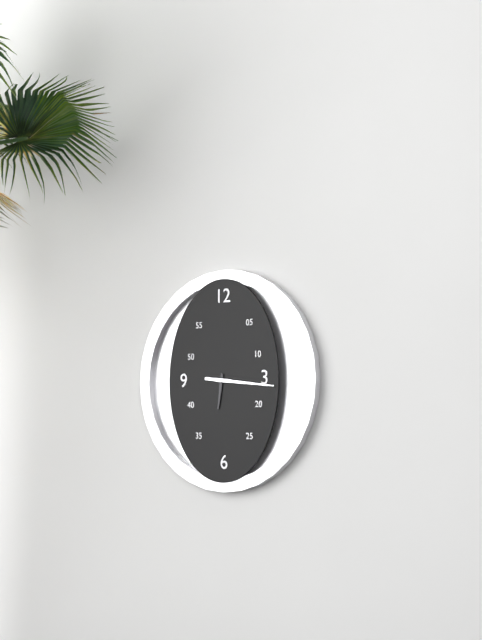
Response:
6.16
